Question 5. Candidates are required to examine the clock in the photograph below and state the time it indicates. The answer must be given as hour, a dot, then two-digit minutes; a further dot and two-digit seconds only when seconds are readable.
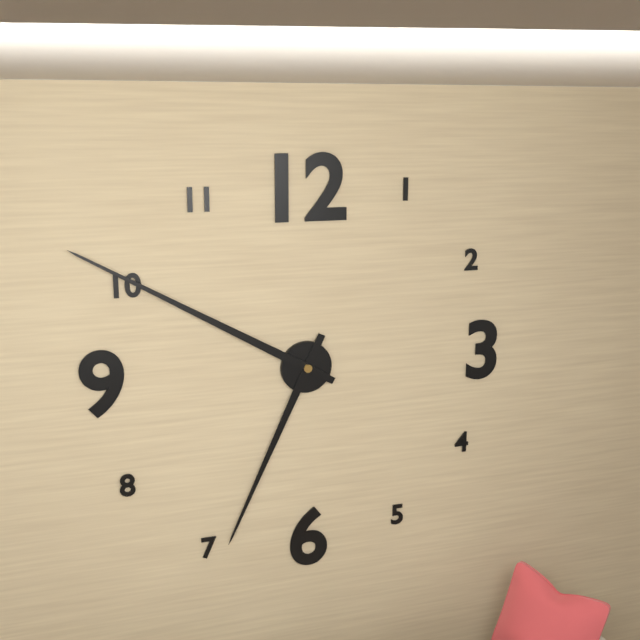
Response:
6.50
